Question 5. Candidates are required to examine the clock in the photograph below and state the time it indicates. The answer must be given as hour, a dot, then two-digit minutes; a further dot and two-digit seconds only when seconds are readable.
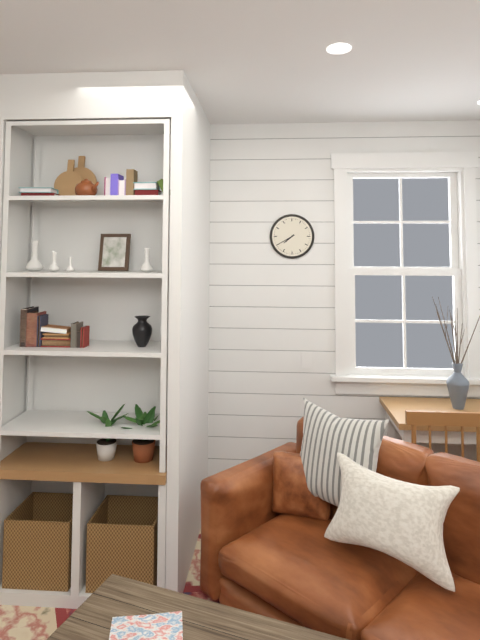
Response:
7.40
